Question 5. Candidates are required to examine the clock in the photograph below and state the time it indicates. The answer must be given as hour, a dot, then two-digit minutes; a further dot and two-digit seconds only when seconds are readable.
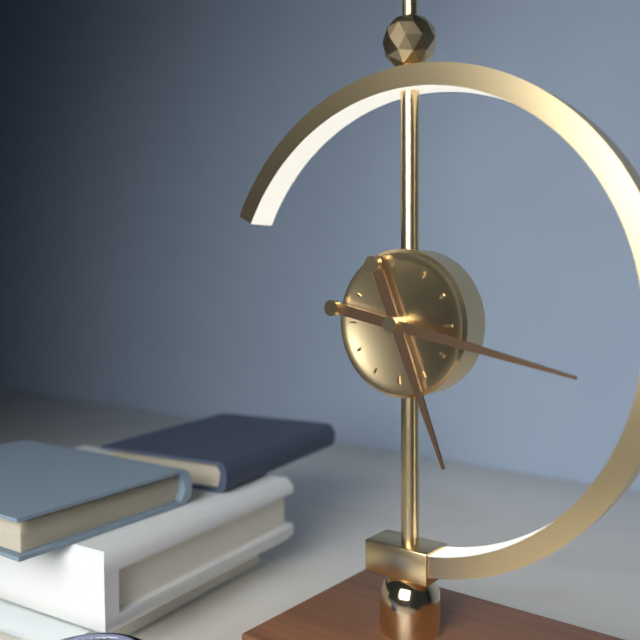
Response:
5.17
